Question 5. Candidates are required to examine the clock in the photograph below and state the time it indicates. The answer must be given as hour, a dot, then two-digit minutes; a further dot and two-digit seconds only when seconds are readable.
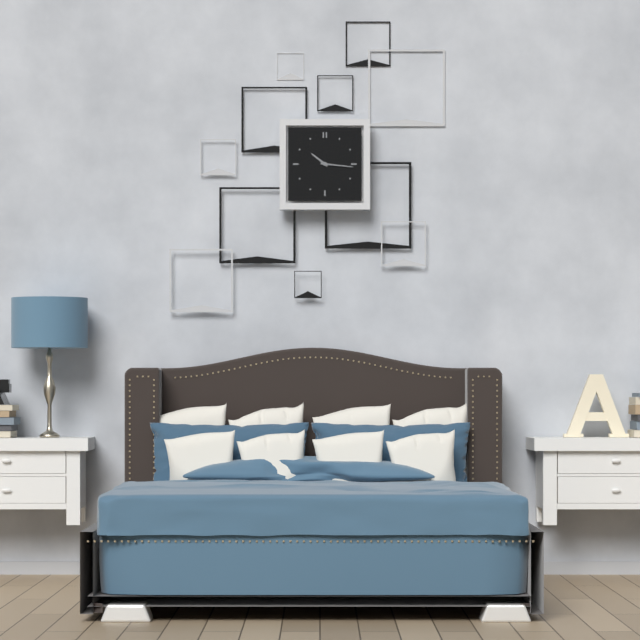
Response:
10.16
